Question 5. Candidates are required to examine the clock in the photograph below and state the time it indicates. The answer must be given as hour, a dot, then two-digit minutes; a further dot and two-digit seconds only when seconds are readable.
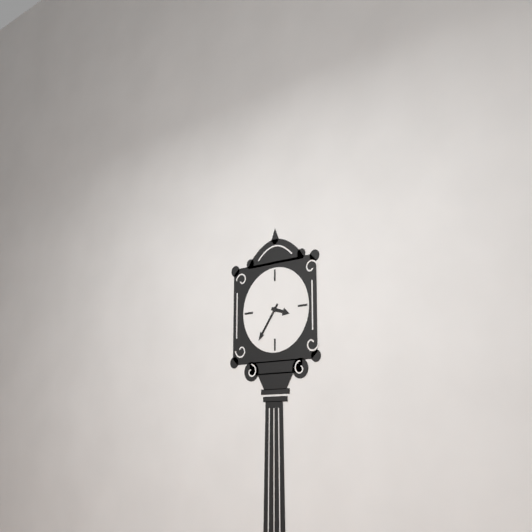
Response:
3.36
